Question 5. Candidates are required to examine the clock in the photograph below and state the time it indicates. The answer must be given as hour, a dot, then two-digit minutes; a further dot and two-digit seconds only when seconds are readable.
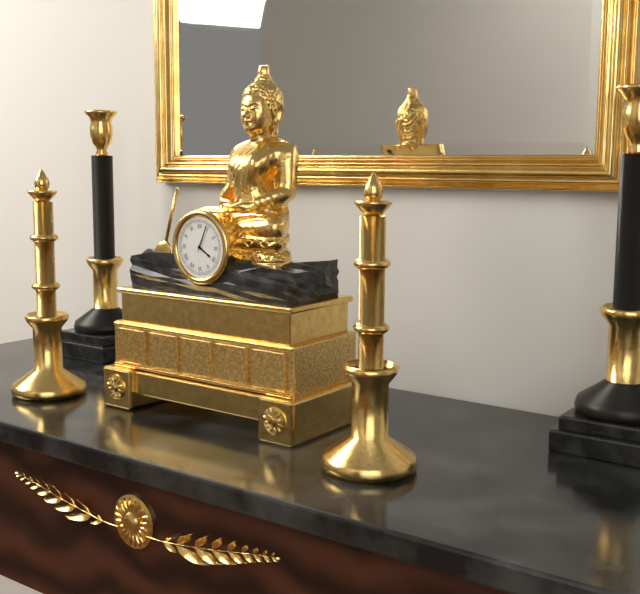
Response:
4.04
